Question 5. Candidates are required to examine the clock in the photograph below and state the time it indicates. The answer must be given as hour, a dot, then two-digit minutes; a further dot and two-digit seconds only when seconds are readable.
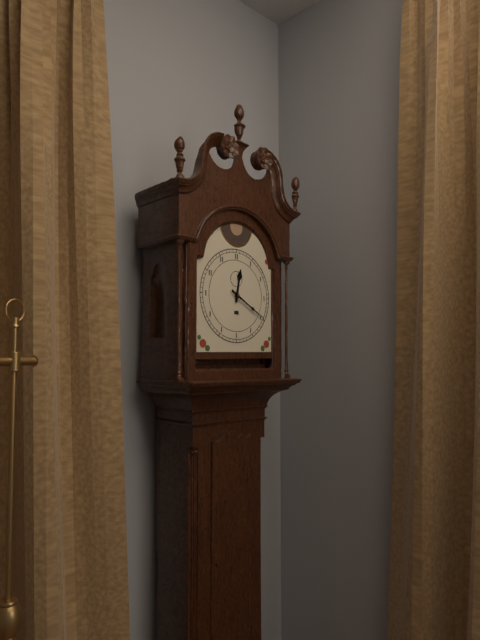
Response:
12.20
